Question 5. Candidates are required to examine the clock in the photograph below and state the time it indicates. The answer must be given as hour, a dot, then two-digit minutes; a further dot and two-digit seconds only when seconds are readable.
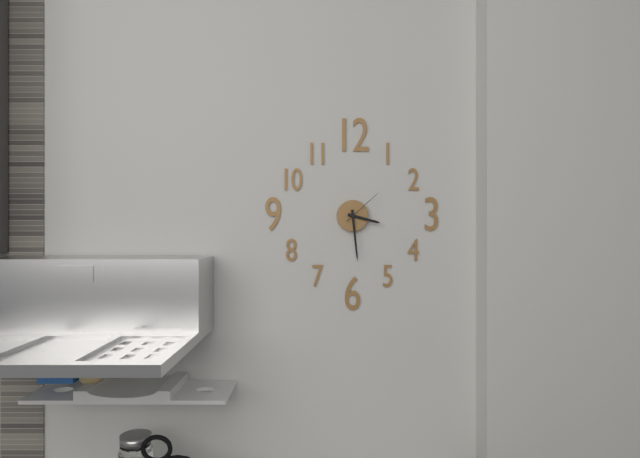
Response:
3.29
